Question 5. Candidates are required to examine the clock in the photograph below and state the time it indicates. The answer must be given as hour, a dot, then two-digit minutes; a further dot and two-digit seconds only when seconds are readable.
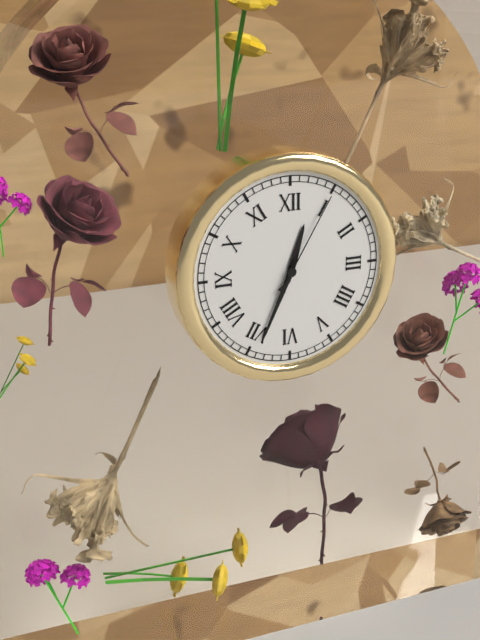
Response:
12.34.05
